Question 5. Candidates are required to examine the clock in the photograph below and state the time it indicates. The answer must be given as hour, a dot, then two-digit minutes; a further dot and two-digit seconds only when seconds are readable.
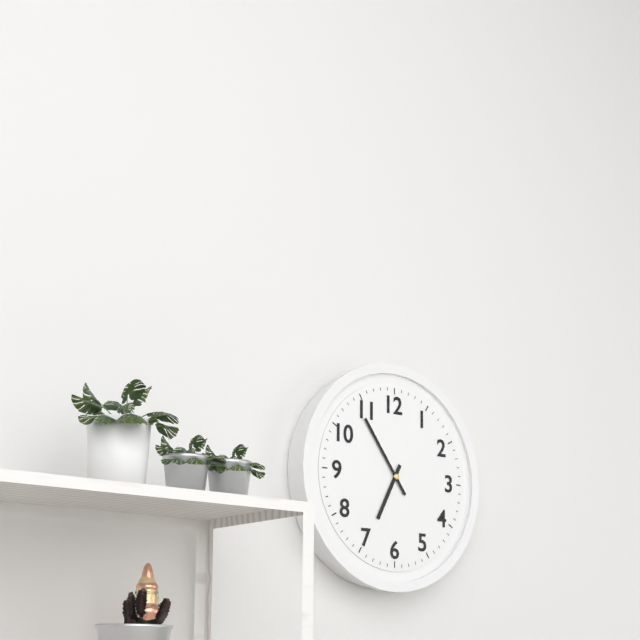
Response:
6.54
